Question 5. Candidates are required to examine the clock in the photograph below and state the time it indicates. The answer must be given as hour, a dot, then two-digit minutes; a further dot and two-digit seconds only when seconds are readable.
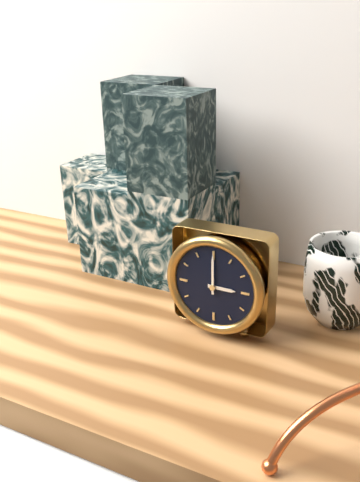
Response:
3.00
